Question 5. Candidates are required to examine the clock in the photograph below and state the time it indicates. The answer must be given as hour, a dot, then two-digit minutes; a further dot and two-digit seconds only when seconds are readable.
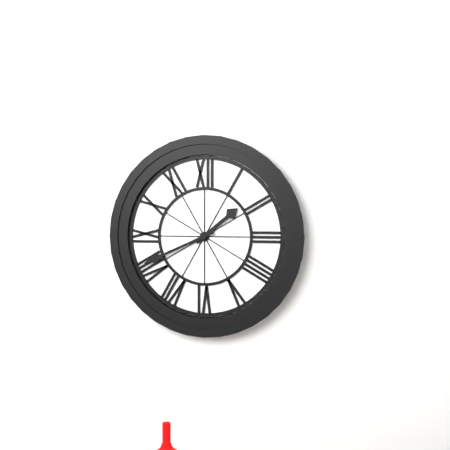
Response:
1.41
